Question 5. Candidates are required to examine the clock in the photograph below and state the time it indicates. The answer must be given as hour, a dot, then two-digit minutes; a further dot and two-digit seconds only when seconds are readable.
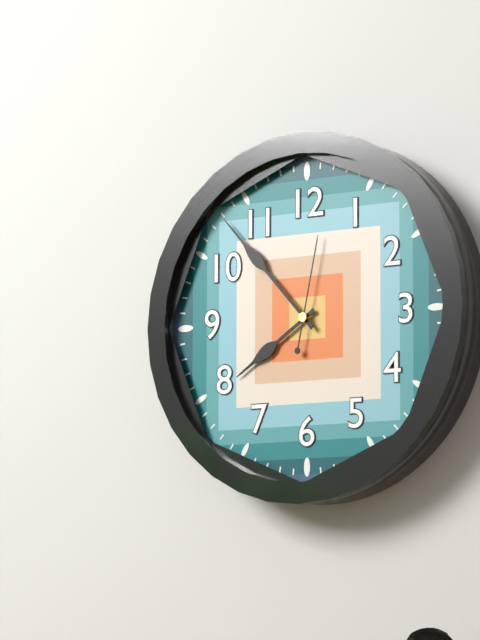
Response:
7.53.02
